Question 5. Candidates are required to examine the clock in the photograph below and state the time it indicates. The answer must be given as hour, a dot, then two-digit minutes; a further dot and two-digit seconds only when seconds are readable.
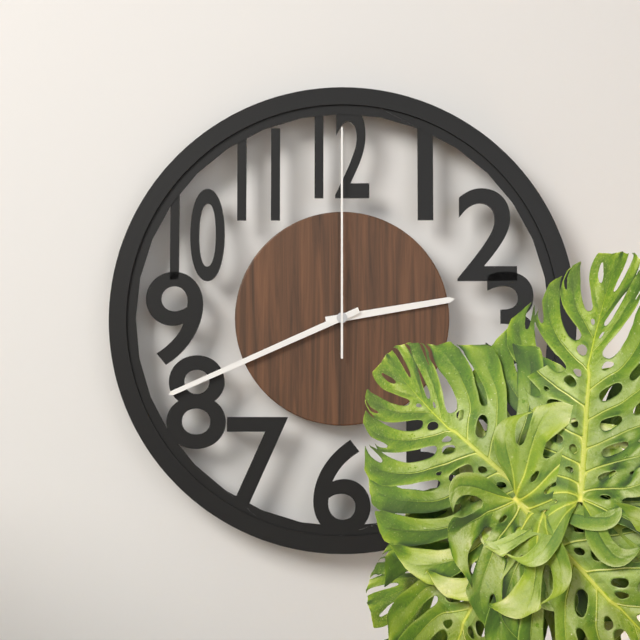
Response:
2.41.00
